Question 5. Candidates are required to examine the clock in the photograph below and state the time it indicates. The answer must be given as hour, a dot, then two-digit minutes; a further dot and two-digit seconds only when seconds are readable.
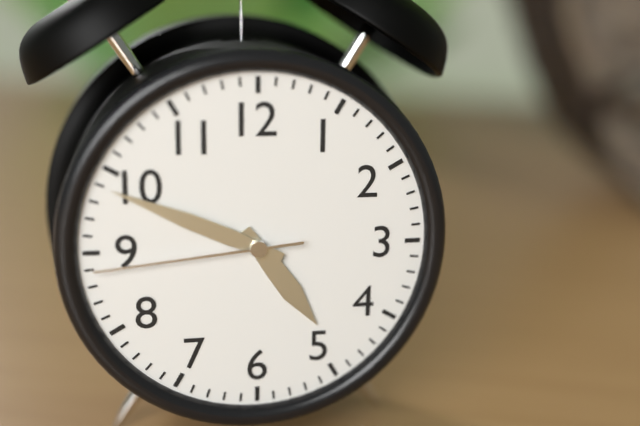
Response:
4.49.44
